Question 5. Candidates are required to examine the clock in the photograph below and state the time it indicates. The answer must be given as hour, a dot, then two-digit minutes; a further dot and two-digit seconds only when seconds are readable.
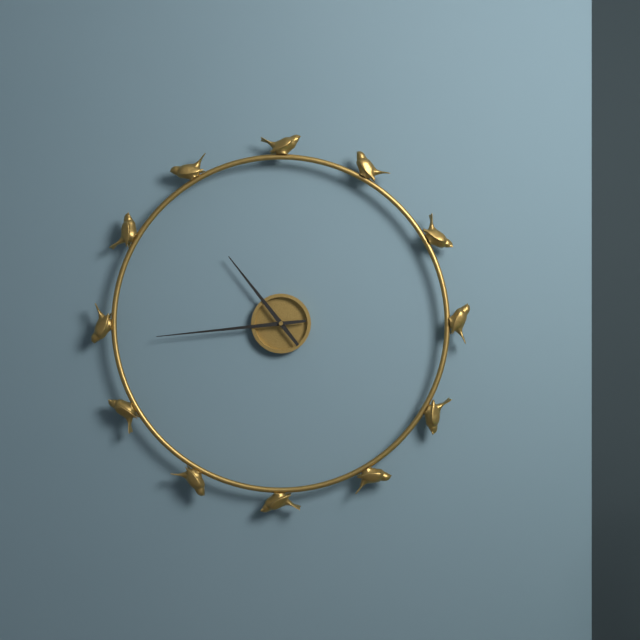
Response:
10.44
